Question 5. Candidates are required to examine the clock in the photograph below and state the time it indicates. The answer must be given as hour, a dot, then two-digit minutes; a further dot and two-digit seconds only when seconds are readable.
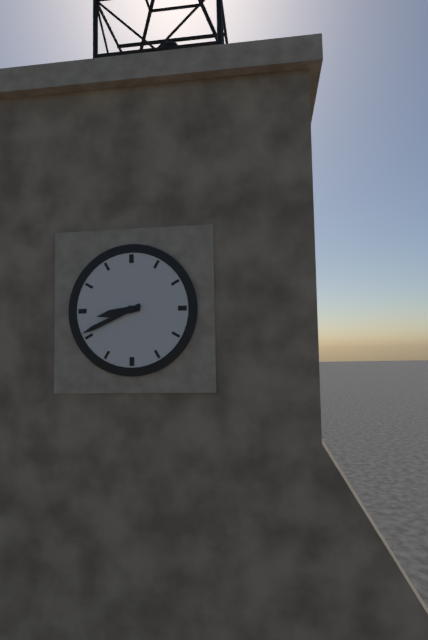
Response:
8.41
